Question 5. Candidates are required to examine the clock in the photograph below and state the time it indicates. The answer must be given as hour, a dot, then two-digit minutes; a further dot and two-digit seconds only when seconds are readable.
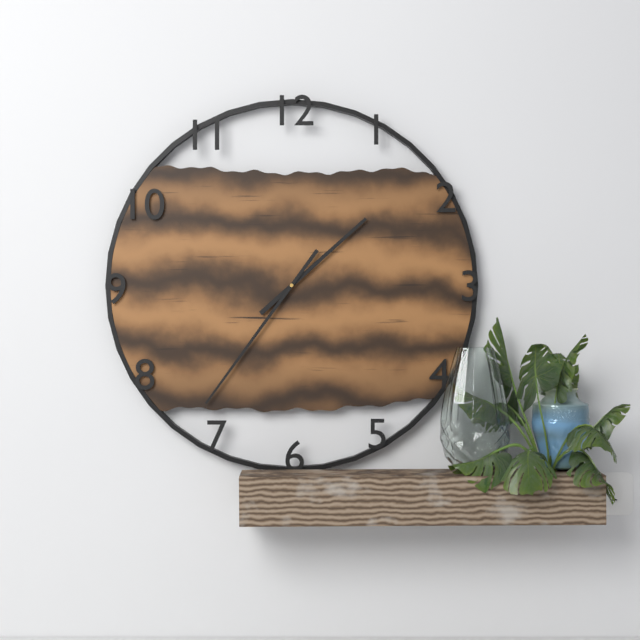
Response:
1.36
